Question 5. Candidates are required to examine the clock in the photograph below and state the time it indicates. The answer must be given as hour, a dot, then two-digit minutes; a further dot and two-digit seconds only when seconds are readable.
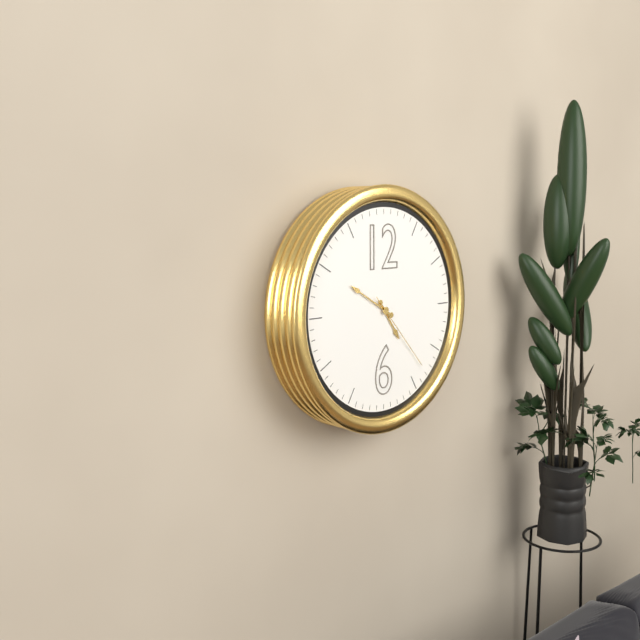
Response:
4.50.23
